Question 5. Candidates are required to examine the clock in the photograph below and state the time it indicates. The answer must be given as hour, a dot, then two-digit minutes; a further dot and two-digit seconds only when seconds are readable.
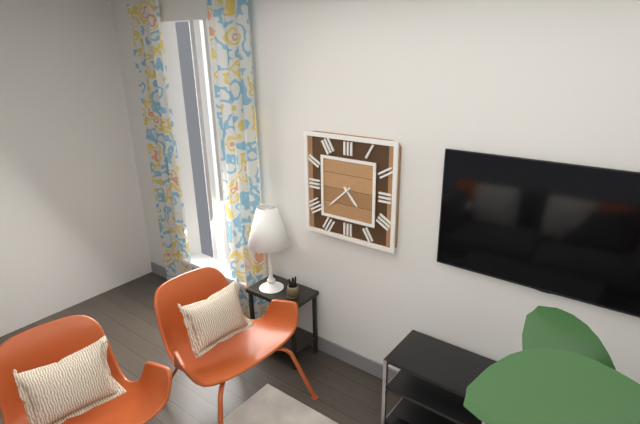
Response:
4.38
